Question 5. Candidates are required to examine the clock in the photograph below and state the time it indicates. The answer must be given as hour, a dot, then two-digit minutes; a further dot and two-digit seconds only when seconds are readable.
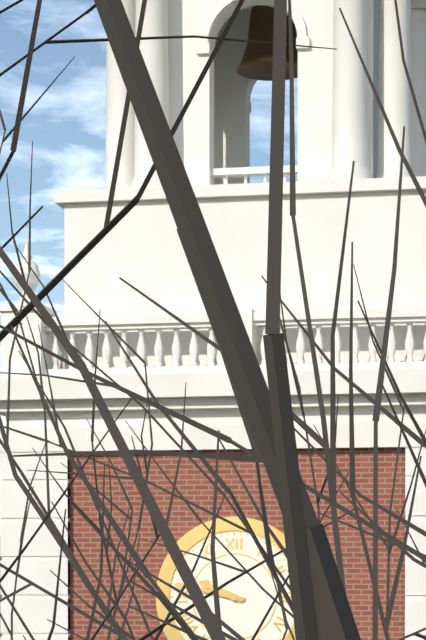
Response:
9.47
